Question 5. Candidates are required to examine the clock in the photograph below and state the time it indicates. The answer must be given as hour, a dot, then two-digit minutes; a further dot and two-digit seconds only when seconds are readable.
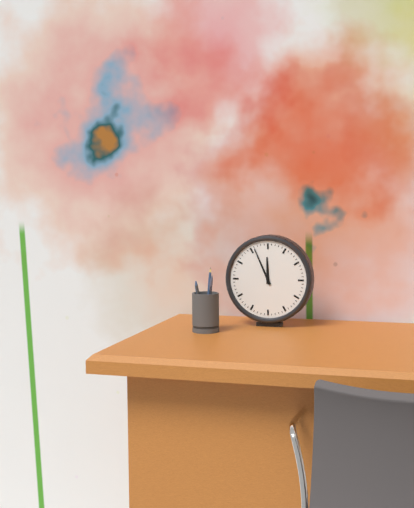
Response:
11.56
